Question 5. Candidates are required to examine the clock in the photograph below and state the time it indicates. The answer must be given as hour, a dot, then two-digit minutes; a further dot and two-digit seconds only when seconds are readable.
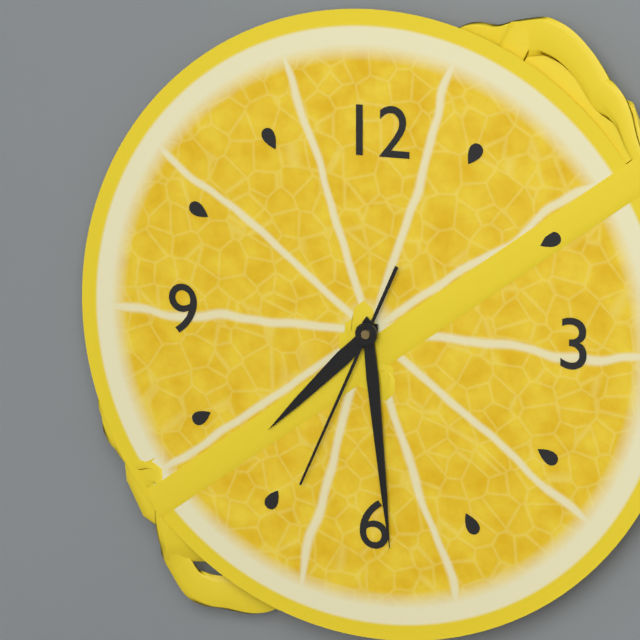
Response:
7.29.34
